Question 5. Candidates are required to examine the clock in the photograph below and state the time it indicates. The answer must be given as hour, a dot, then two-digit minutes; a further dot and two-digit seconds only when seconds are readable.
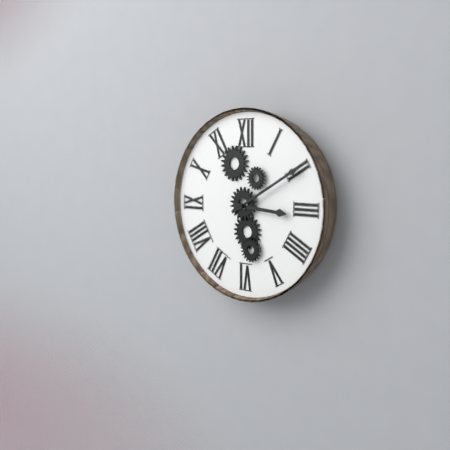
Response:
3.10
